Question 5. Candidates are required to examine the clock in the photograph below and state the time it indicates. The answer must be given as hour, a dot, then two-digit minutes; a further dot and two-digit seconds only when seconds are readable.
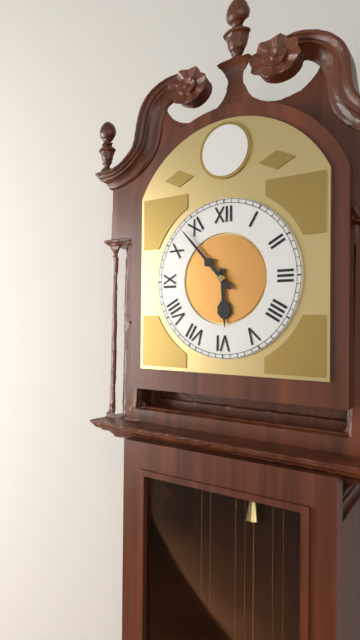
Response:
5.53
